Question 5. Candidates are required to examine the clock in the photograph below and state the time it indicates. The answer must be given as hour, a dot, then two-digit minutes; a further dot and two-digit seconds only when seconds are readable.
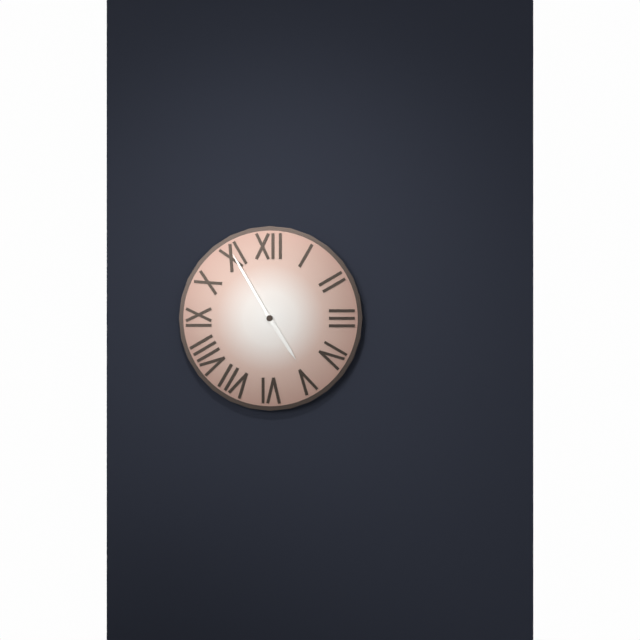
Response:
4.55
